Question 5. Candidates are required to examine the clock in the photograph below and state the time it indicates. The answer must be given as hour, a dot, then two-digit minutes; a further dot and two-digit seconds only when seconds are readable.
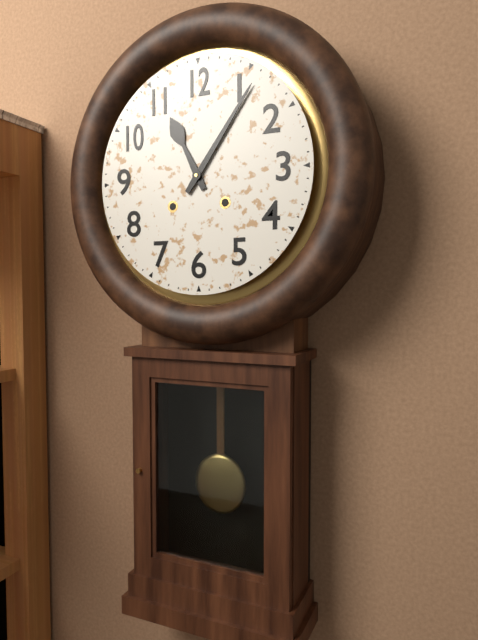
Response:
11.06
